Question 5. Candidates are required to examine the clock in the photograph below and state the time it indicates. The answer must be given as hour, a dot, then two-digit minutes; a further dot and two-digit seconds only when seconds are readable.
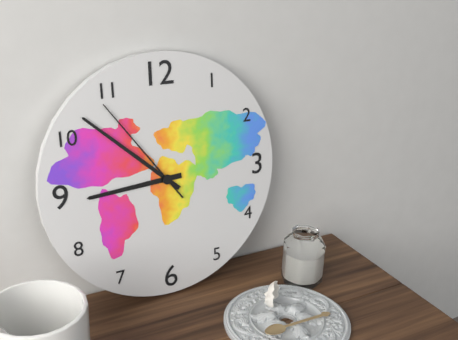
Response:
8.52.54
